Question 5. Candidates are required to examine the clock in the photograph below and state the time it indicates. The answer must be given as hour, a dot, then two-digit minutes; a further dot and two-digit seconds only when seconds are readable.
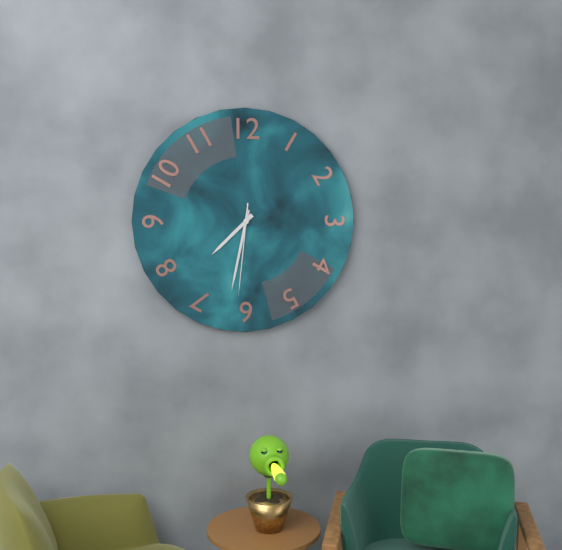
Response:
7.32.31
